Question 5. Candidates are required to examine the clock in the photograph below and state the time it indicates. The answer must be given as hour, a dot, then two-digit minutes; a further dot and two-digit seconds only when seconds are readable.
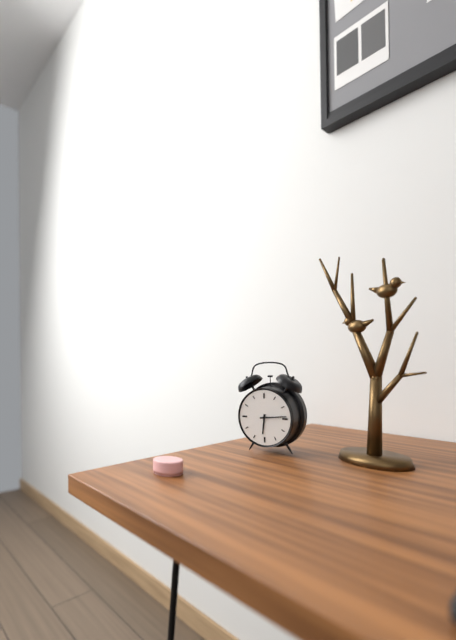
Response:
6.14
